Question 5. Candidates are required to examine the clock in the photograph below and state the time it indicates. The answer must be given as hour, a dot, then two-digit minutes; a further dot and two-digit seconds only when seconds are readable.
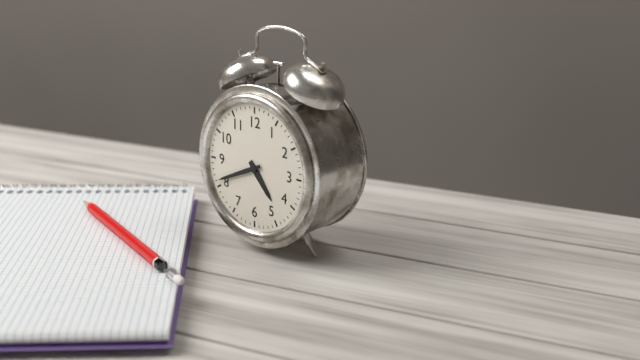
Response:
4.41
